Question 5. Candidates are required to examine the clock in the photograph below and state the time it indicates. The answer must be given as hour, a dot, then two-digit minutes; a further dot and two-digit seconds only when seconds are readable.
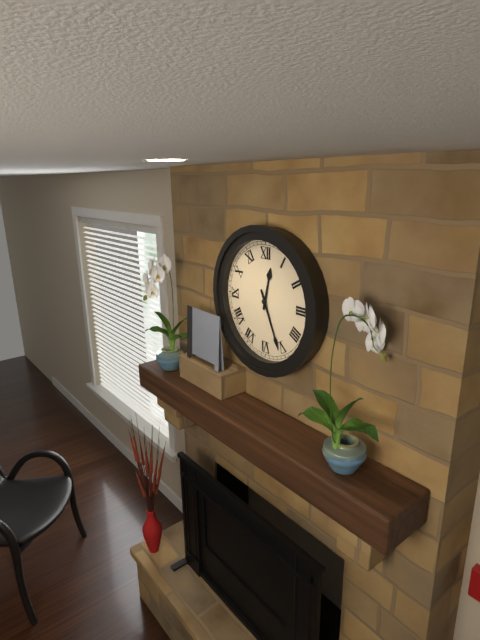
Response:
12.26
